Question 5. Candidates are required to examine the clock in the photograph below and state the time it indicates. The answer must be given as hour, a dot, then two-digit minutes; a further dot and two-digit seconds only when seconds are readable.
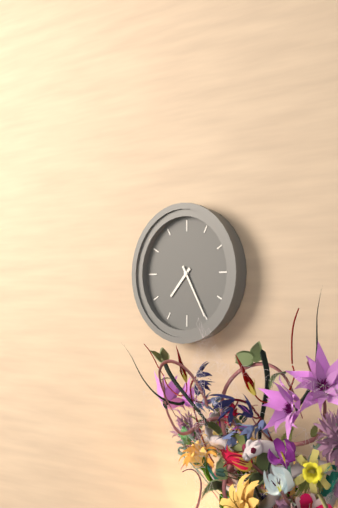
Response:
7.25
